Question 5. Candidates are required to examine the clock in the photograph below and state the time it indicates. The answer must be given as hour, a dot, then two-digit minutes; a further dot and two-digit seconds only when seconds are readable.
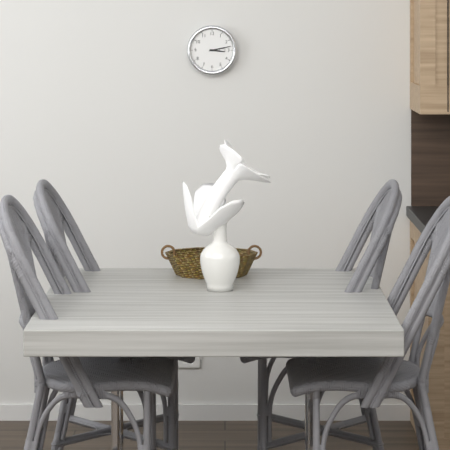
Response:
3.13
